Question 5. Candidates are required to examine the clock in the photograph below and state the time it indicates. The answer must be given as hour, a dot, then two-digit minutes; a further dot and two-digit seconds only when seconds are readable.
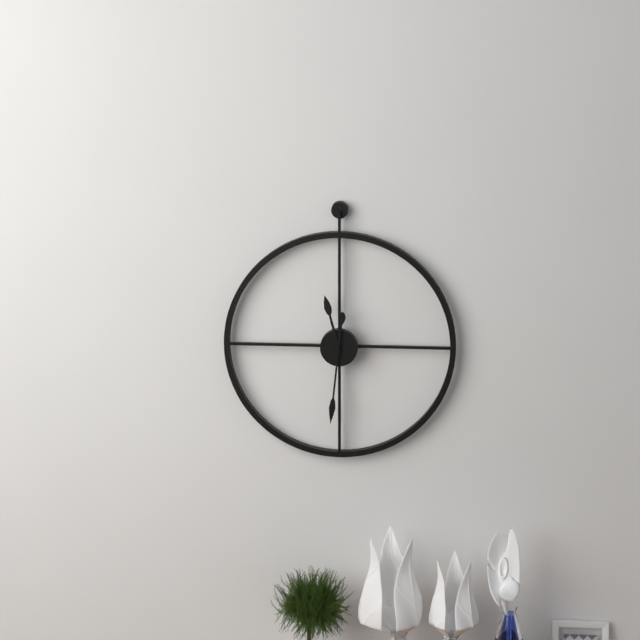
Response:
11.31
